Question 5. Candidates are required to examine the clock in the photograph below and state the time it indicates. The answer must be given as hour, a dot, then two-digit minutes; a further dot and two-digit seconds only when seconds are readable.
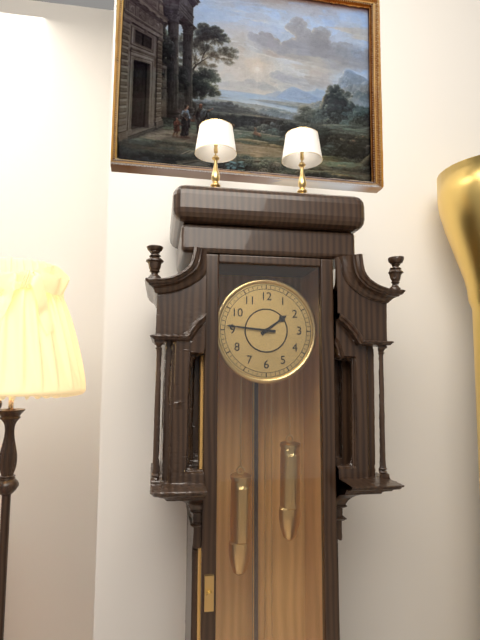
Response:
1.46
